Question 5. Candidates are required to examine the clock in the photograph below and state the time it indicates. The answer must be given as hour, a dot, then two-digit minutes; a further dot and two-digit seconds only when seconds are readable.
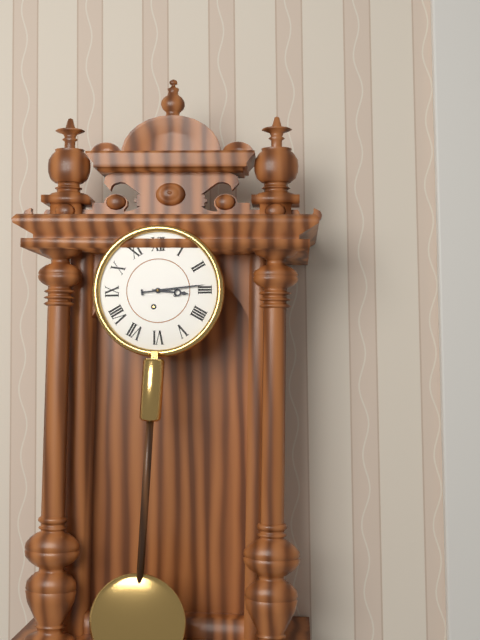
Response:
3.14
